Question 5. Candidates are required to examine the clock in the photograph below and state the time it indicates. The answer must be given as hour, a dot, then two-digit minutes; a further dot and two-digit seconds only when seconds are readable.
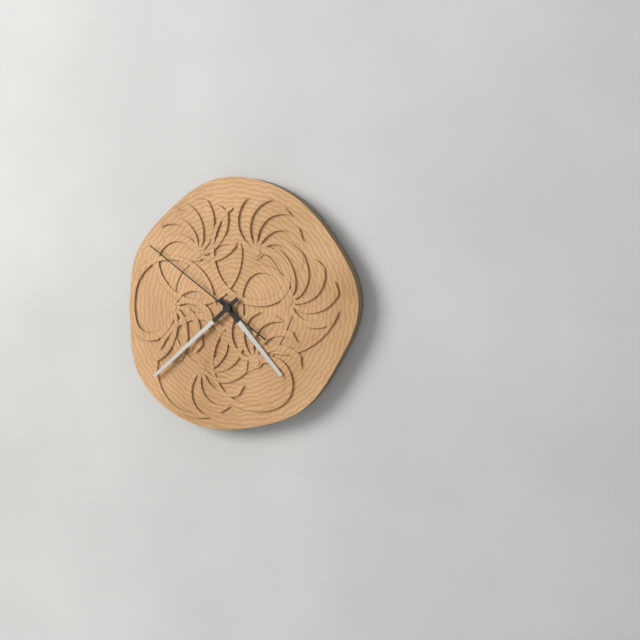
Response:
4.38.51
